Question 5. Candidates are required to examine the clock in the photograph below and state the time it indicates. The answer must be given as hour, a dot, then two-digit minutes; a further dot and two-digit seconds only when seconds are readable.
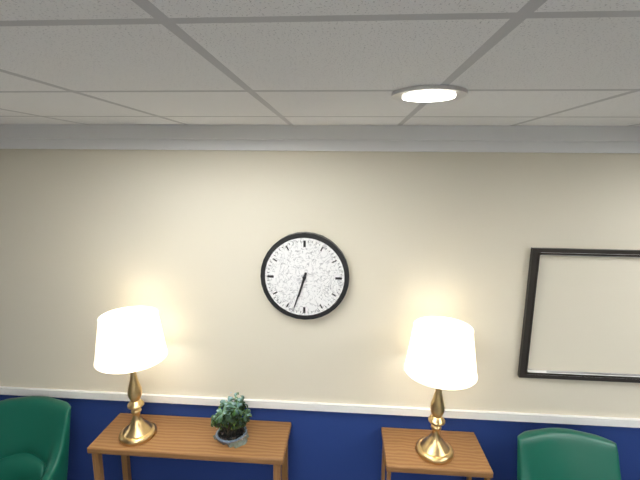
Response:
6.33
